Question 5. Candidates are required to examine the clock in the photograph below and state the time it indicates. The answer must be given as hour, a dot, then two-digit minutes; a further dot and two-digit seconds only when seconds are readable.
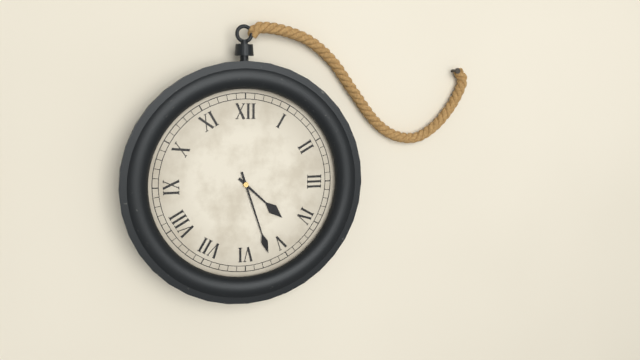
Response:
4.27
